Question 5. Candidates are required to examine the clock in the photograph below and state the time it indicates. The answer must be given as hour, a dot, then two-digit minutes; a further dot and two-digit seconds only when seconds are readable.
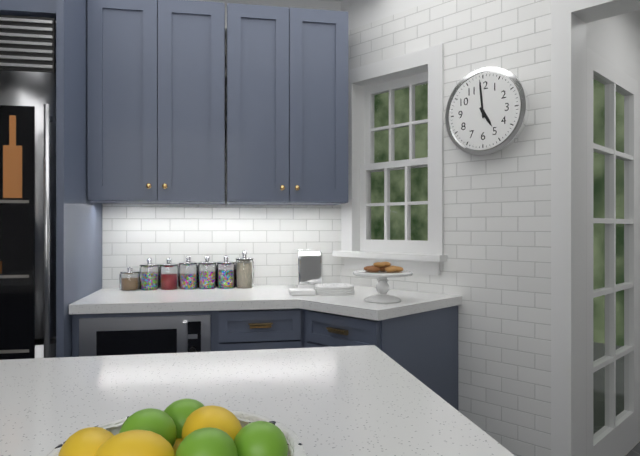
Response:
4.59
